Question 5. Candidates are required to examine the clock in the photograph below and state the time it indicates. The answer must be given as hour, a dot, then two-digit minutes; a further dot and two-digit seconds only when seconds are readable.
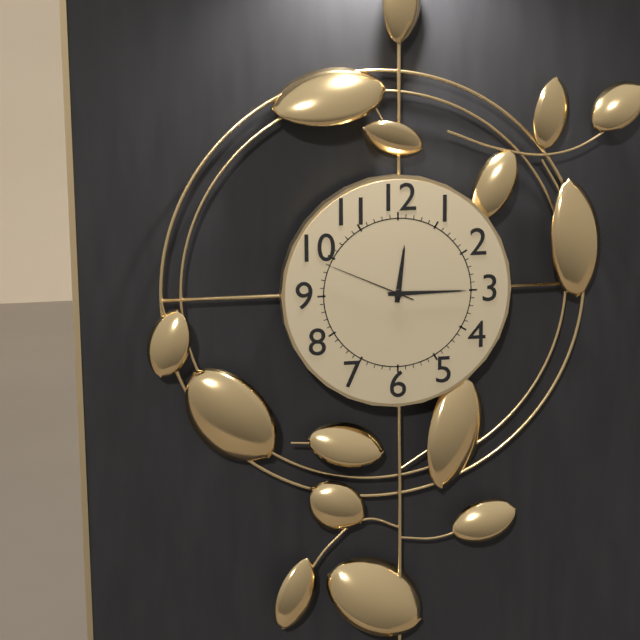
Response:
12.15.49
